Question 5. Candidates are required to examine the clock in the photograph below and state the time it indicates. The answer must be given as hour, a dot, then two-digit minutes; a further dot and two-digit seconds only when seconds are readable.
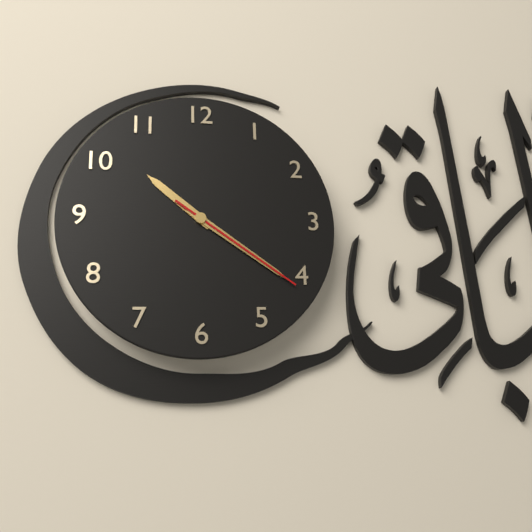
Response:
10.21.21
